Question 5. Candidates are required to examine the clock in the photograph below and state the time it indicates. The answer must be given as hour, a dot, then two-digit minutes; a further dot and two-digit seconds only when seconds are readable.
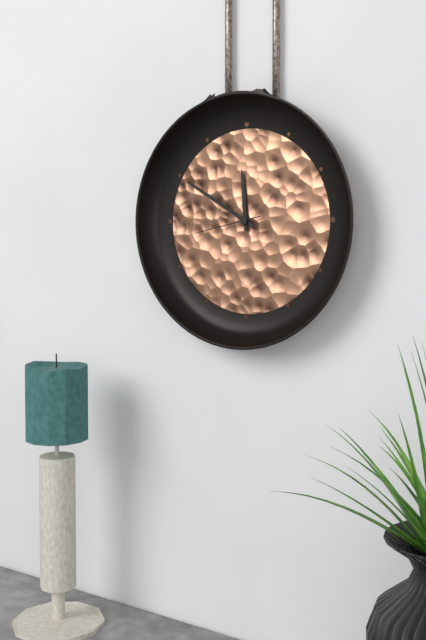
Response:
11.50.43
